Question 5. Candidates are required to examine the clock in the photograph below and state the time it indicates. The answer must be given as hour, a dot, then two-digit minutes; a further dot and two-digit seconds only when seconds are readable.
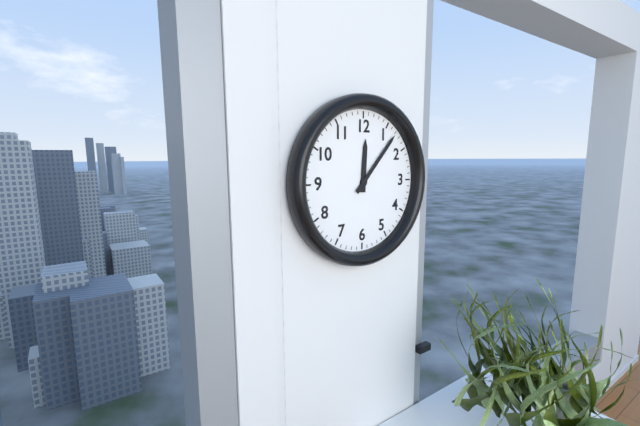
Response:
12.07
